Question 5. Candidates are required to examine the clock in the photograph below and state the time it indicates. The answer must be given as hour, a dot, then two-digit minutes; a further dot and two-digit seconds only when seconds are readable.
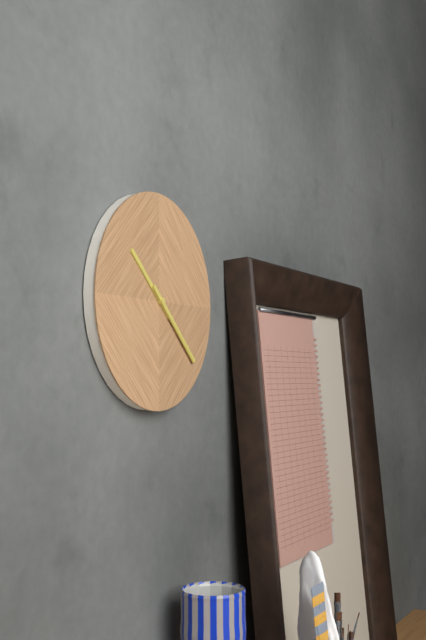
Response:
10.22
